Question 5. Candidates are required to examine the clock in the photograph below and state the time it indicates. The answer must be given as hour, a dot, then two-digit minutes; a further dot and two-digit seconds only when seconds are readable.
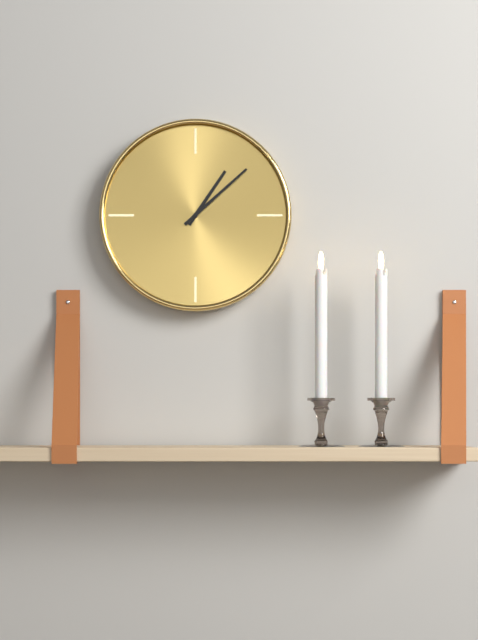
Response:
1.08
